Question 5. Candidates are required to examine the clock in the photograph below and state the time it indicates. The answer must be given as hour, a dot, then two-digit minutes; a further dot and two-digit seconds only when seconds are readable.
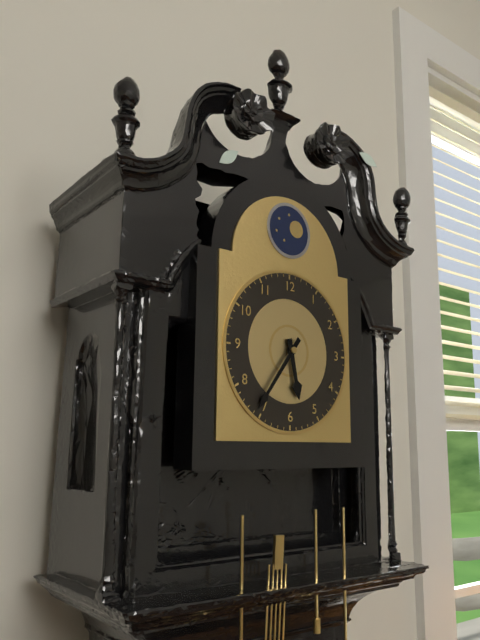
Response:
5.36
